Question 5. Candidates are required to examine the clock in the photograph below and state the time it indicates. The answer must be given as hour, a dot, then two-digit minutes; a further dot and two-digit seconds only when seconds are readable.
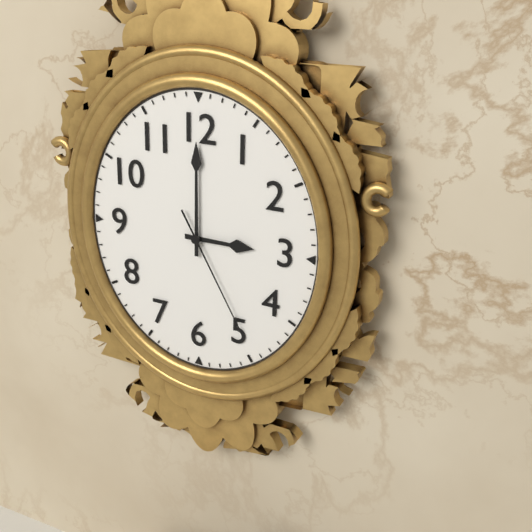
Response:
3.00.25
